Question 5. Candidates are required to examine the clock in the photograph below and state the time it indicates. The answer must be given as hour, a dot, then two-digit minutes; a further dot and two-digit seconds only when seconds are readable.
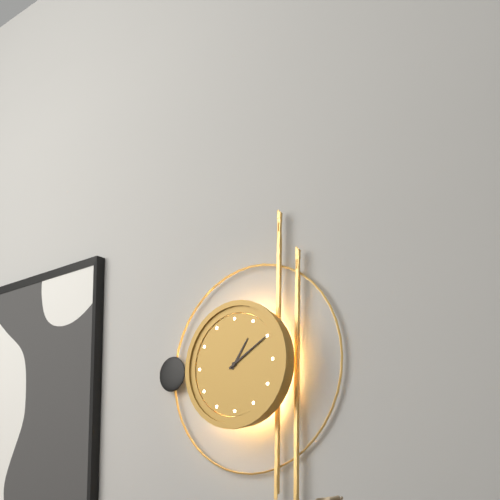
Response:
1.10
